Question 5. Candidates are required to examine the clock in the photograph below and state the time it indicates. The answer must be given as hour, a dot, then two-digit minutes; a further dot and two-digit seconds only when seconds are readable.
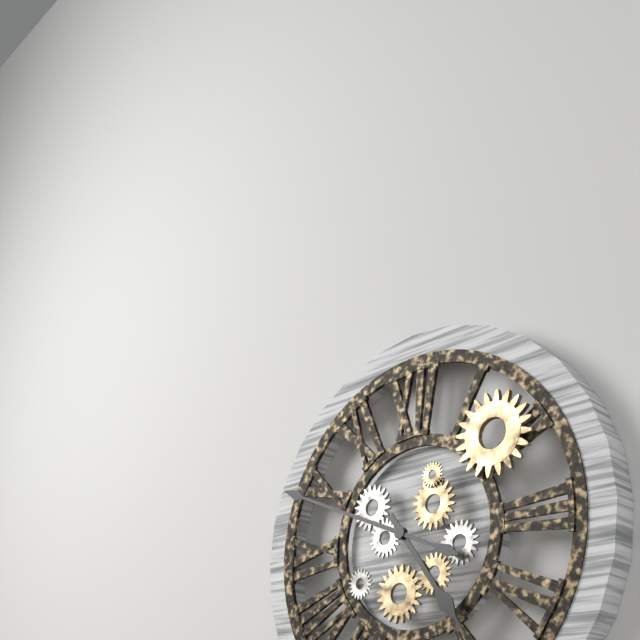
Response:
4.49
